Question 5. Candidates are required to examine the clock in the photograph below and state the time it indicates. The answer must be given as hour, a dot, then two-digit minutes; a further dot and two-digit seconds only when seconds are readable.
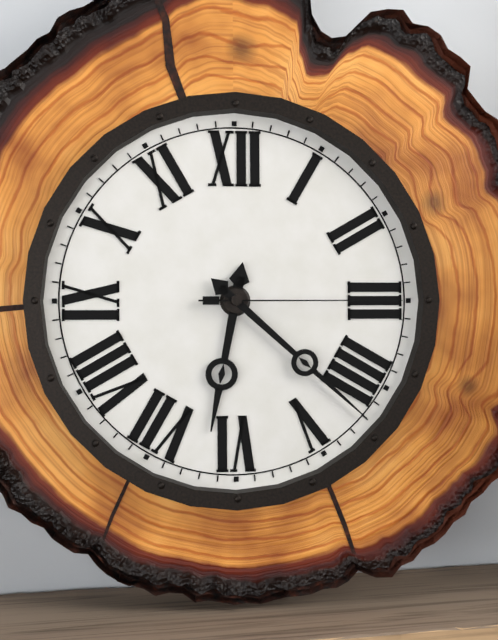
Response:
6.22.15
